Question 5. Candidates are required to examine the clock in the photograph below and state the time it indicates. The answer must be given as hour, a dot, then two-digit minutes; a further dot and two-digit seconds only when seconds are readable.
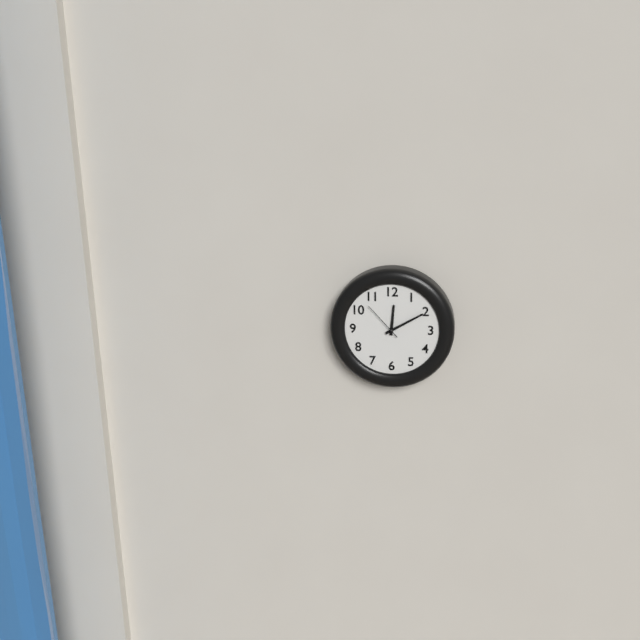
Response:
12.10
